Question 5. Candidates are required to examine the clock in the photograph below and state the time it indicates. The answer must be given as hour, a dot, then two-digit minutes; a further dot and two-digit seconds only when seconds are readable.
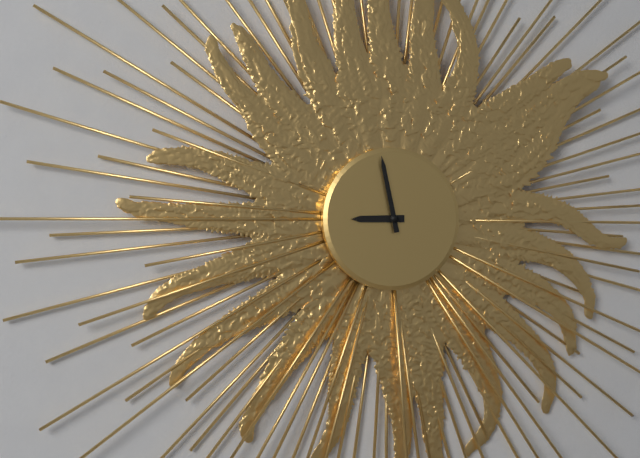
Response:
8.58
